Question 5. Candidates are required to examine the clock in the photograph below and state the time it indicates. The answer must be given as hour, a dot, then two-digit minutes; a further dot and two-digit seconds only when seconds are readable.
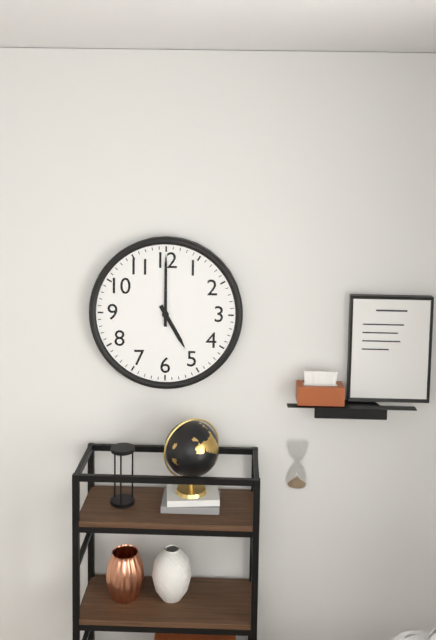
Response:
5.00
